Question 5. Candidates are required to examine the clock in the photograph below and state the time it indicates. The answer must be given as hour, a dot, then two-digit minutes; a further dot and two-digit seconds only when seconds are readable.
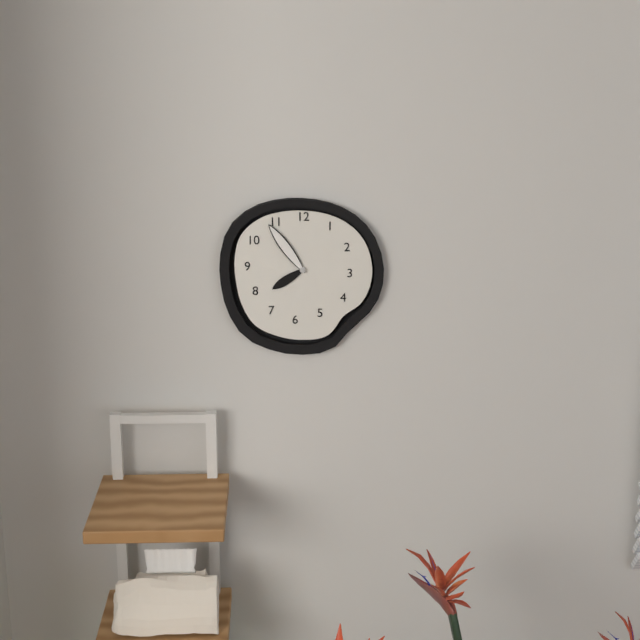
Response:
7.54
